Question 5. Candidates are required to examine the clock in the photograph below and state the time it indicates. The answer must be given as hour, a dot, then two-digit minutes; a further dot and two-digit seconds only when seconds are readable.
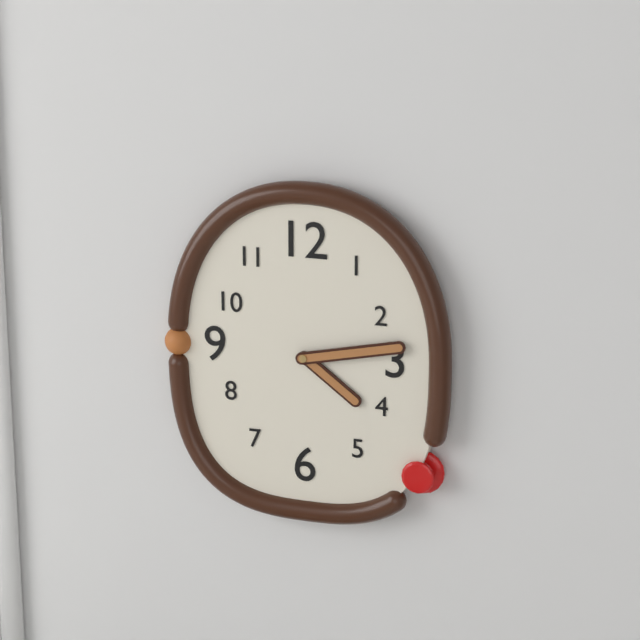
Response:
4.13
